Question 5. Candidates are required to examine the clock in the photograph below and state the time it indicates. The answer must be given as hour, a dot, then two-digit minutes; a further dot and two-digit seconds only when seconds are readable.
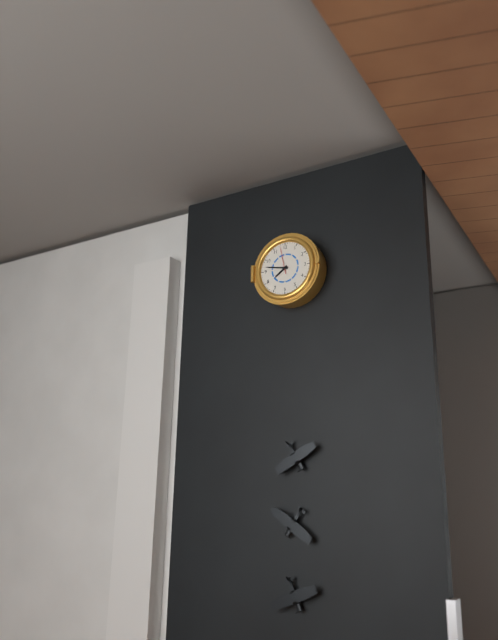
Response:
7.47
